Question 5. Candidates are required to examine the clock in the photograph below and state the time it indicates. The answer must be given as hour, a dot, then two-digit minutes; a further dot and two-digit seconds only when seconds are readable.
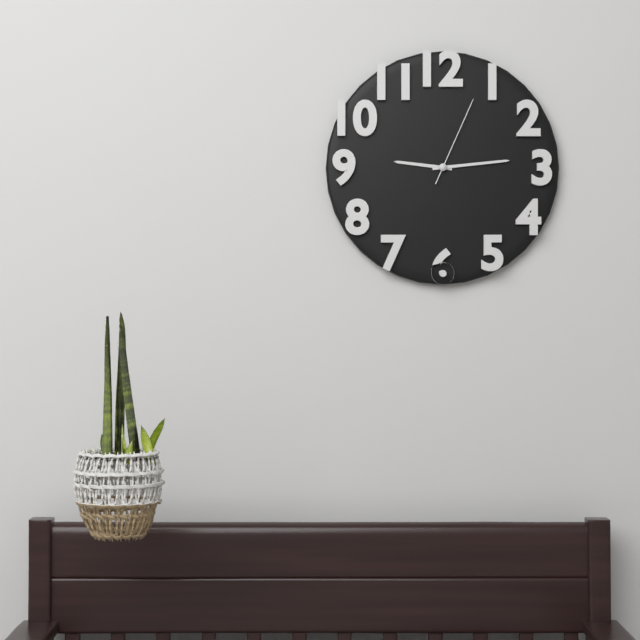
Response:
9.14.04
